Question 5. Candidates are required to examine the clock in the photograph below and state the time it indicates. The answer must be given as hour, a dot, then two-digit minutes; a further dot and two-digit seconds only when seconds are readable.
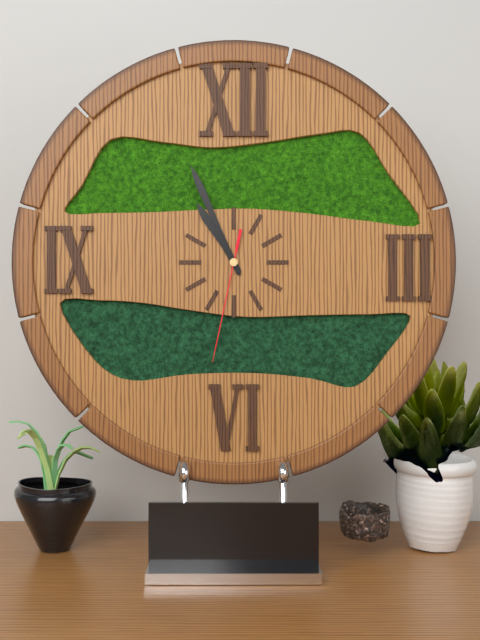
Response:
10.56.32
